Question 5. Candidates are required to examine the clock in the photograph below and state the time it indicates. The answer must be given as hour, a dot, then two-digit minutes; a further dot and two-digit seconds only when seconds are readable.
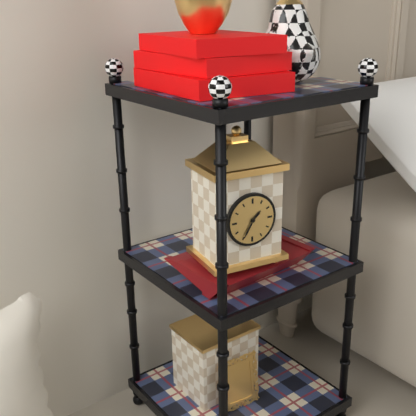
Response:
1.35
